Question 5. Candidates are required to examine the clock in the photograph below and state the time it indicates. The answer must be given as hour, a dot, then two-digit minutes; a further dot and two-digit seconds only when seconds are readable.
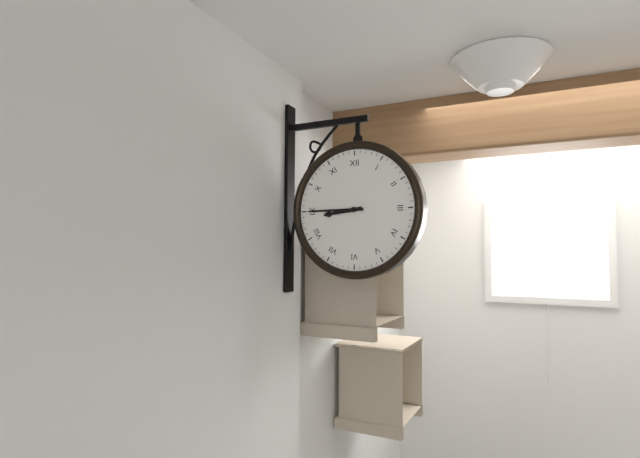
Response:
8.45
